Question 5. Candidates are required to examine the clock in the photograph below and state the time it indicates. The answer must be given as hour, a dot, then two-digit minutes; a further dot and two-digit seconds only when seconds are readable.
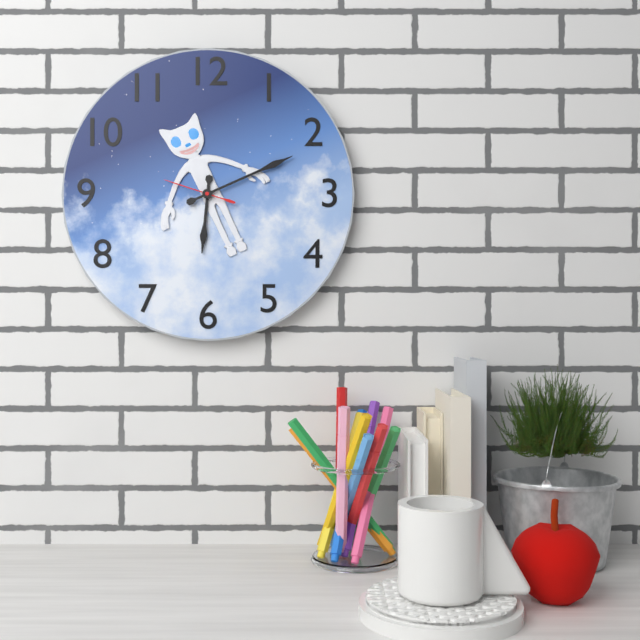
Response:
6.11.48
